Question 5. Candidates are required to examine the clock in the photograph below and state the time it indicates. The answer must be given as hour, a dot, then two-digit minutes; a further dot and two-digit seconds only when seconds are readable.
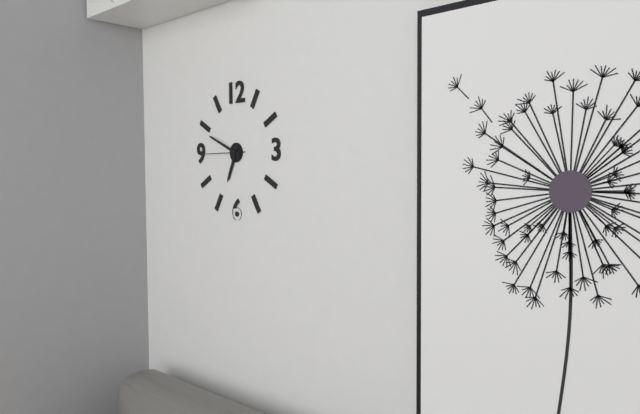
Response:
6.49
